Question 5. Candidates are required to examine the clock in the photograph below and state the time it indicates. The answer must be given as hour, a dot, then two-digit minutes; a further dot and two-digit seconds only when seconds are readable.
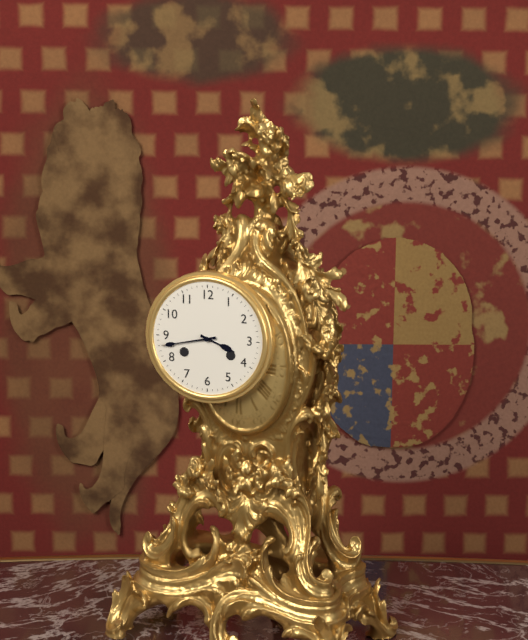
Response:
3.43
